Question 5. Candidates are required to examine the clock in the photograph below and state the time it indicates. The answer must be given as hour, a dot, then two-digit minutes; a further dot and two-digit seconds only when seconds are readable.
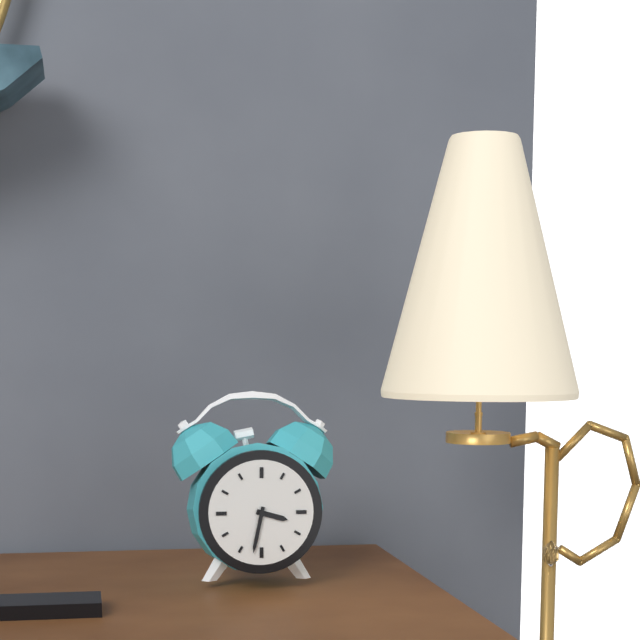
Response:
3.32
